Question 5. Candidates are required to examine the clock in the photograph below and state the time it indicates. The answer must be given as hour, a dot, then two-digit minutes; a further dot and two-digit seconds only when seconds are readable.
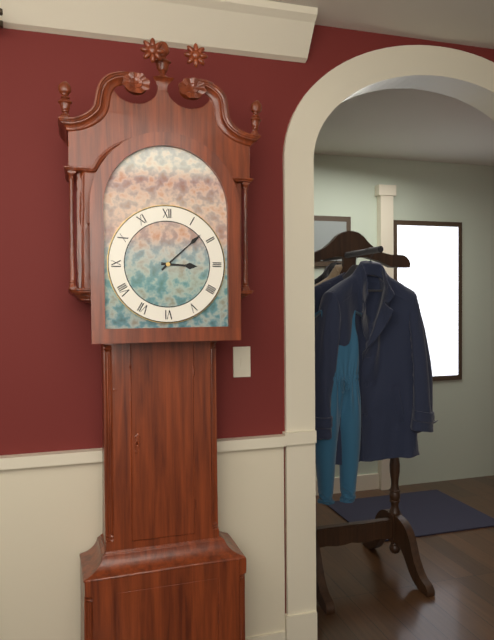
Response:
3.08
